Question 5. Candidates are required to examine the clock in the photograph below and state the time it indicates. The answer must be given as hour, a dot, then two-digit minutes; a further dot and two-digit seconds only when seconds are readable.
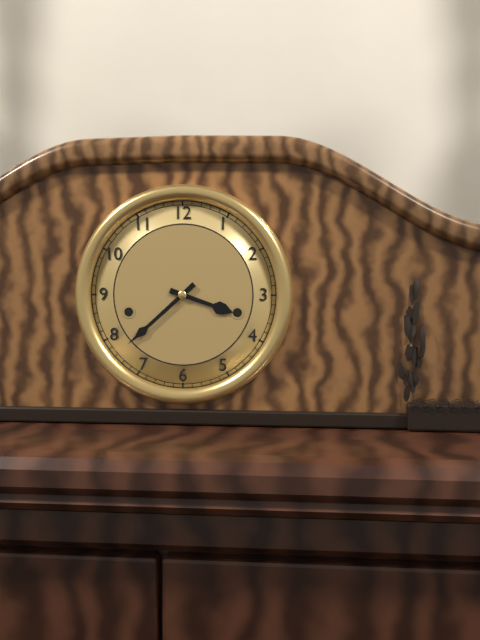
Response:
3.38
